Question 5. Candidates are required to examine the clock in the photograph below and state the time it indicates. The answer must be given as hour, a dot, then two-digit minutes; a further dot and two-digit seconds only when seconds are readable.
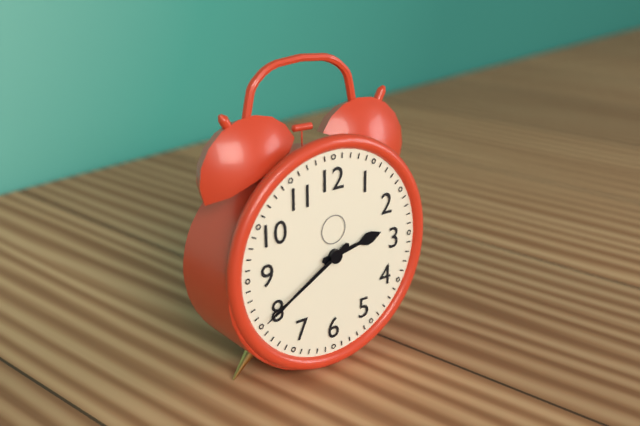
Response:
2.40
